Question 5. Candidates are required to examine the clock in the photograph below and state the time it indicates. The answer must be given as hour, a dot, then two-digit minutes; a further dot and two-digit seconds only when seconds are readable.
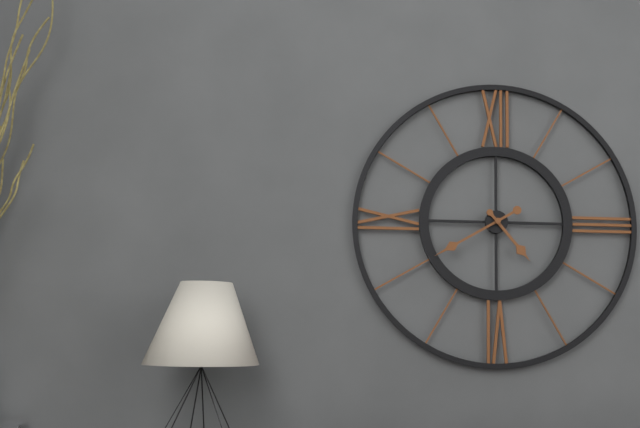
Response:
4.40
